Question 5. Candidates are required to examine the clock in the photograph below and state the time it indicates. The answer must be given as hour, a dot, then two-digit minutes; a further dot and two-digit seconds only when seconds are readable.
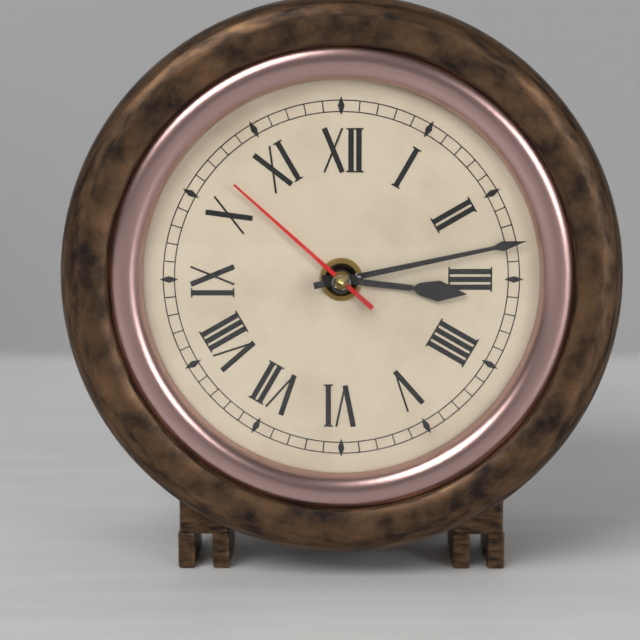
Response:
3.13.52
